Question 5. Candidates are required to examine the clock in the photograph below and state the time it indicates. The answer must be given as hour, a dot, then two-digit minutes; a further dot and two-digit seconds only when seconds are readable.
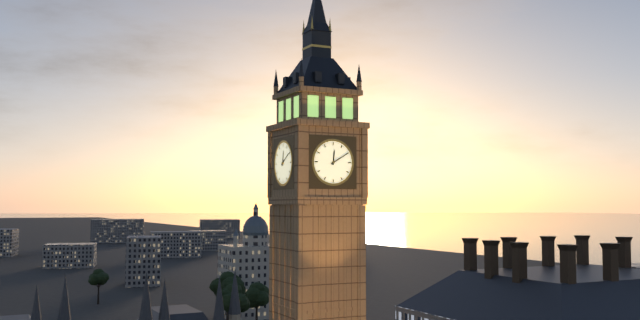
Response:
12.10
